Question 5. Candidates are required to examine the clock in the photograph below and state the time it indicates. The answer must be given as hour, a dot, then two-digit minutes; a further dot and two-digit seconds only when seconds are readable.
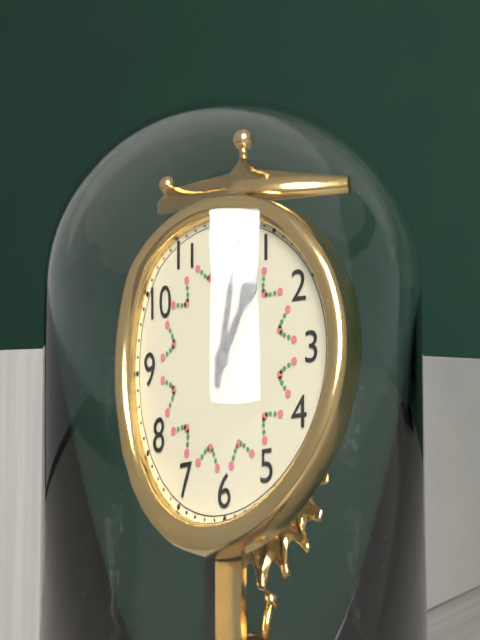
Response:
1.02
